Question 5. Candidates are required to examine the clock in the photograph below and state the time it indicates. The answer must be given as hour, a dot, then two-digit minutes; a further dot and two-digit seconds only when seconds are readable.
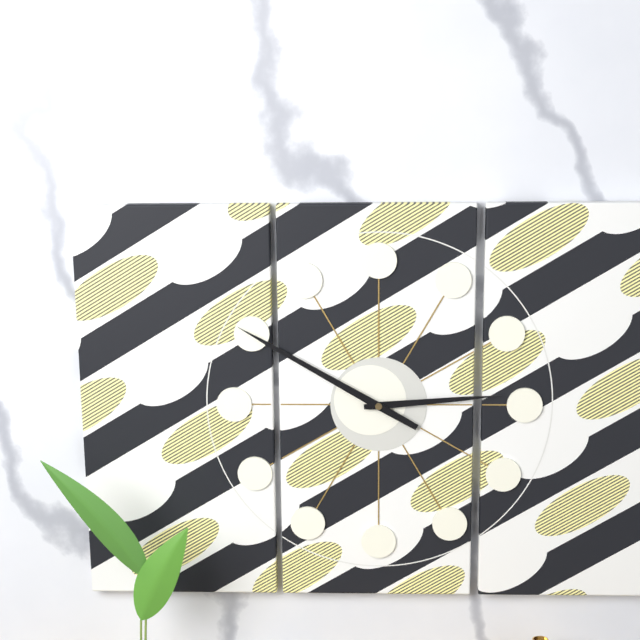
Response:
2.50
